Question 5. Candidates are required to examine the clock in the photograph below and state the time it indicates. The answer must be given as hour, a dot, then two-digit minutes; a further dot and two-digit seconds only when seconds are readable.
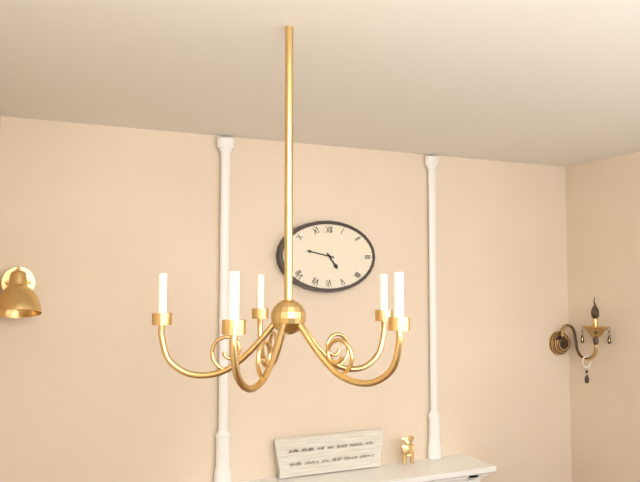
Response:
4.47
